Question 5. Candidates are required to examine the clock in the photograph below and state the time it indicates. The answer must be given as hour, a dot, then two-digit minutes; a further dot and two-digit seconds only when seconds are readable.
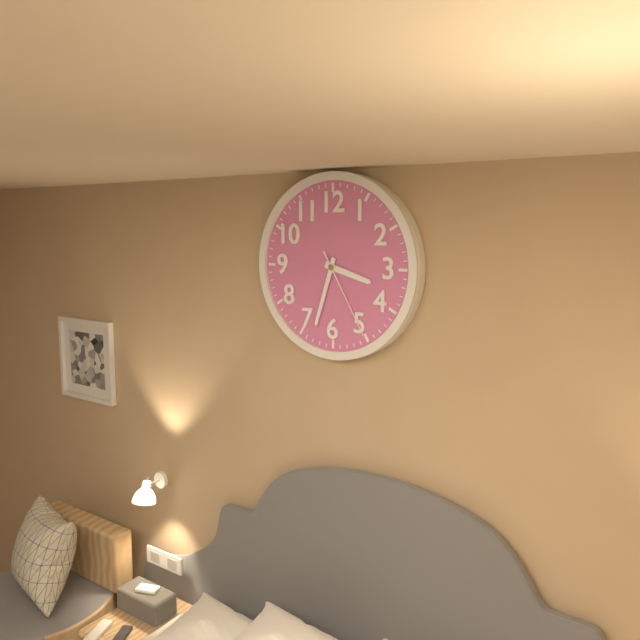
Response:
3.33.25
